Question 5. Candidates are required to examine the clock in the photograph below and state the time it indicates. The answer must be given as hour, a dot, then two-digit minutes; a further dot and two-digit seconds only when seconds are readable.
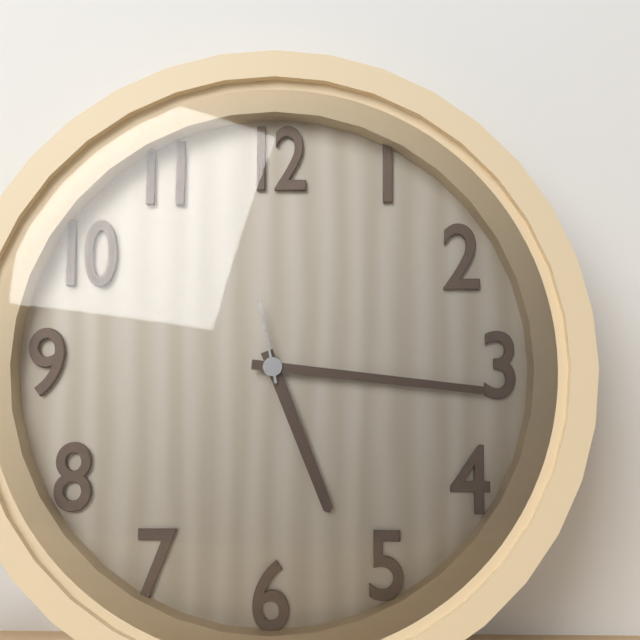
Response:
5.16.58
